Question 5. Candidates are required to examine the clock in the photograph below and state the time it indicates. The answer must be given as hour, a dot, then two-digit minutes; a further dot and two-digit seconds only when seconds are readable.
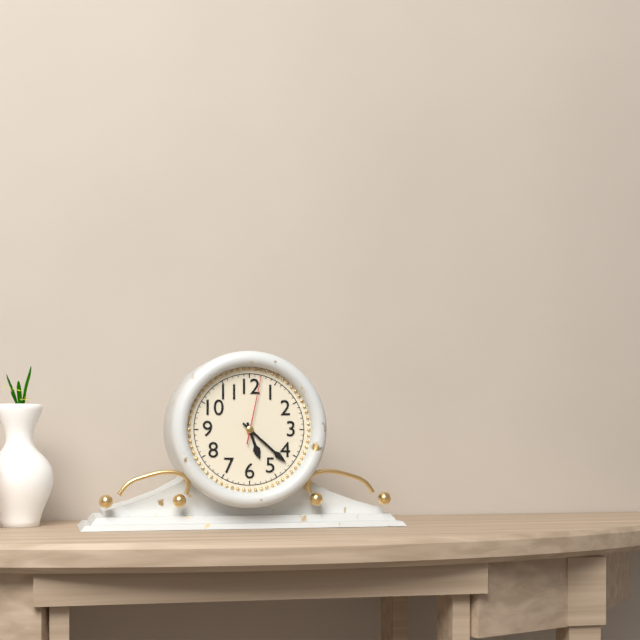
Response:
5.22.02
